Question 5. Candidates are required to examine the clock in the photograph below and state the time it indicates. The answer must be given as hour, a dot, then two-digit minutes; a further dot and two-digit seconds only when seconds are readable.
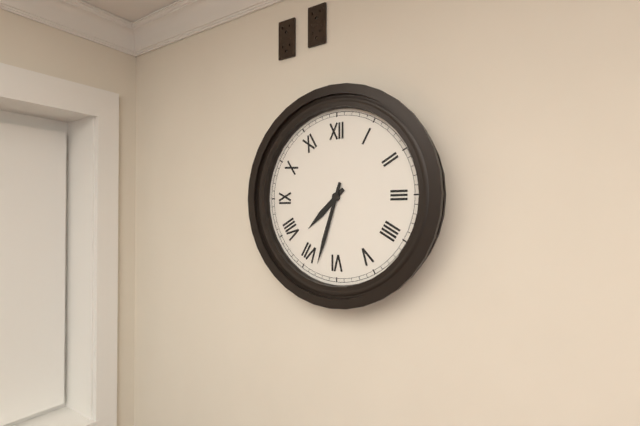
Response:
7.33
